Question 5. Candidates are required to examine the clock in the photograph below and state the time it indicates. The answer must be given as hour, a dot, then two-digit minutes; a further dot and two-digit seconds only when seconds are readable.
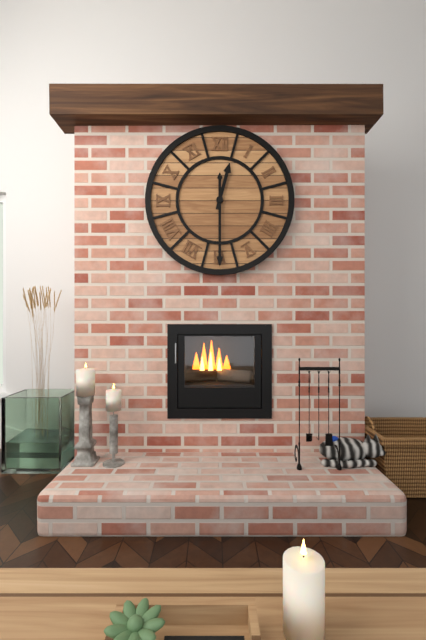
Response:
12.30
